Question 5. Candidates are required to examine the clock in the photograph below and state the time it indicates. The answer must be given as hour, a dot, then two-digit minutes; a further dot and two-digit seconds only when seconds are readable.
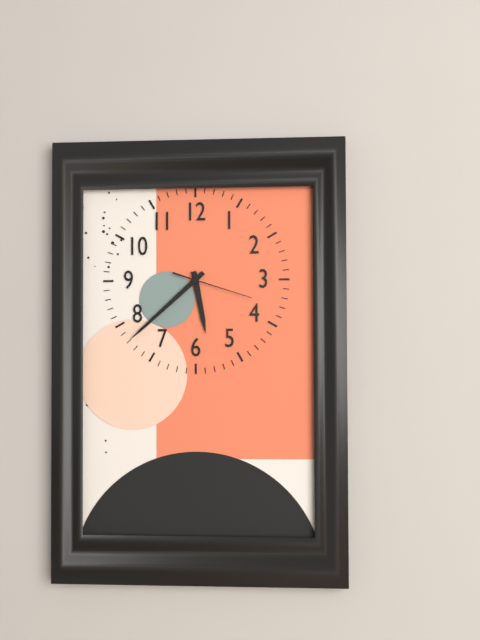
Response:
5.38.18
